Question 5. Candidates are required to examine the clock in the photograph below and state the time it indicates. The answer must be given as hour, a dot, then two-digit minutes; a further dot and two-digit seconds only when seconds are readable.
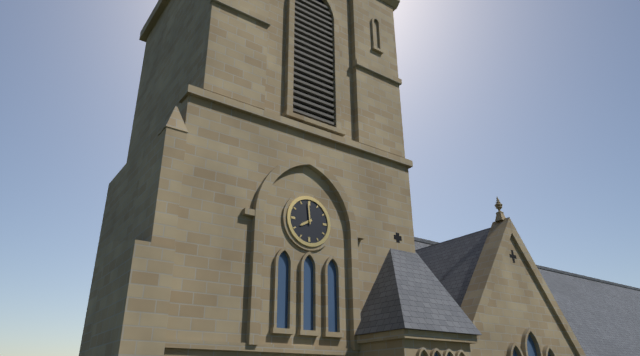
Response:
7.59
